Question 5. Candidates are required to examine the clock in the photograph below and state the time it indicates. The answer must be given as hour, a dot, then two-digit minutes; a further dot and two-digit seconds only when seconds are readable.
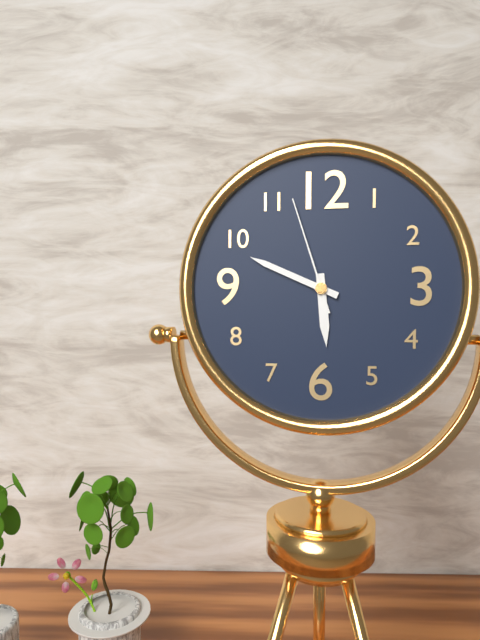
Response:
5.49.57
